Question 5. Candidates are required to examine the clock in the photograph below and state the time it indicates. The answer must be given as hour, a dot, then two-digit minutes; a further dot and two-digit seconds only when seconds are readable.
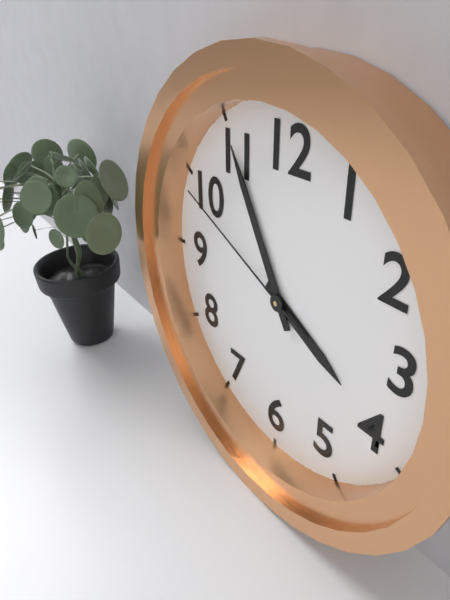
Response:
3.55.49
